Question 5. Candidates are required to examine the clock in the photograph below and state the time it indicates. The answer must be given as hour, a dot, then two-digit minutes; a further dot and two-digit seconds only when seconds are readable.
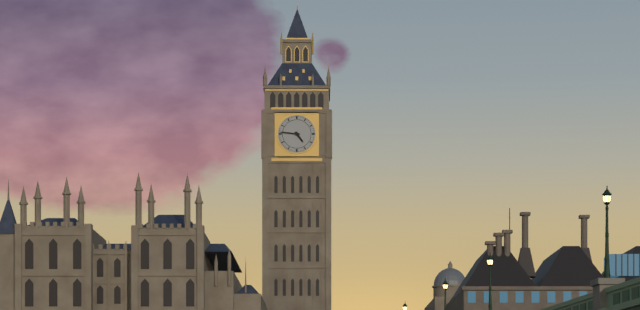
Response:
4.46
